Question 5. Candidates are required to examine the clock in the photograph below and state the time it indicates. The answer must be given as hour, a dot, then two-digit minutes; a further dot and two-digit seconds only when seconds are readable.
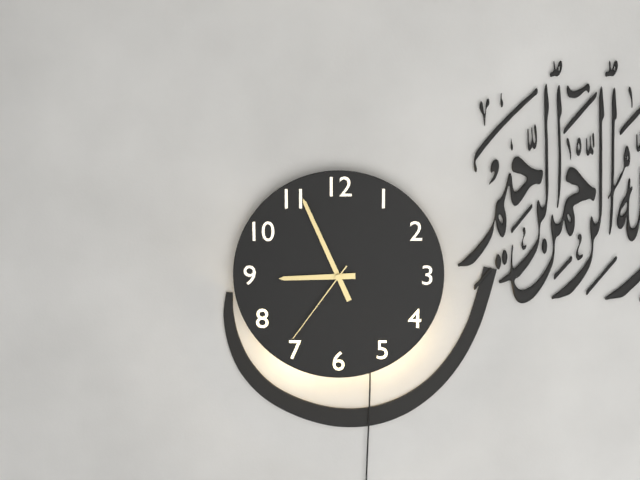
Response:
8.56.36
